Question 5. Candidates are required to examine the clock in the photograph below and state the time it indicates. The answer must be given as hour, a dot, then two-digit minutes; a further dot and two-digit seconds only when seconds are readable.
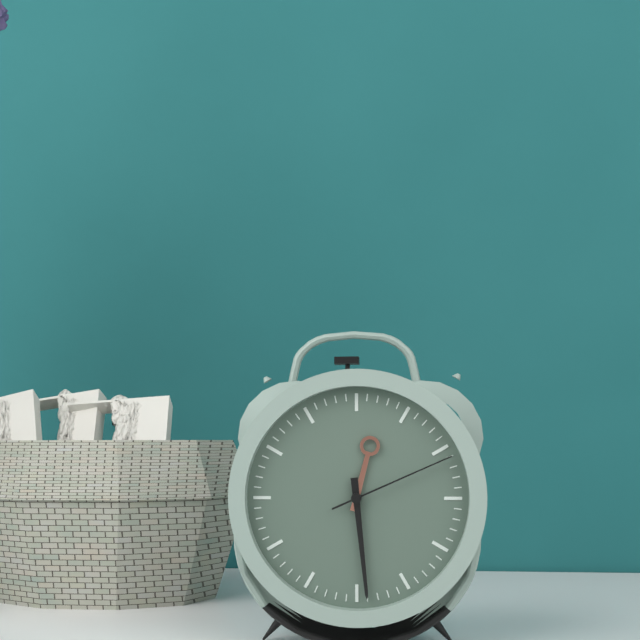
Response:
12.29.11
